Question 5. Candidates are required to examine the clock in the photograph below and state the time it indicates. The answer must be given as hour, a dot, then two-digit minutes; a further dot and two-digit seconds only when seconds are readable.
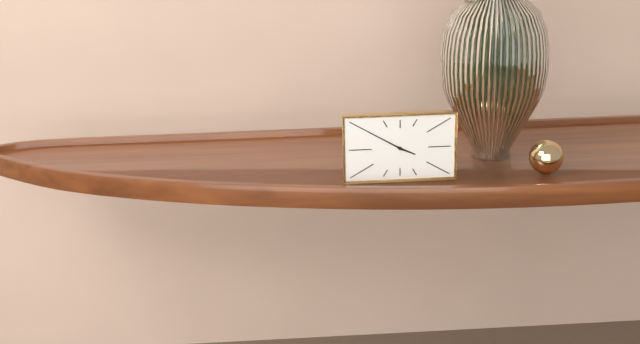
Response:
3.50
